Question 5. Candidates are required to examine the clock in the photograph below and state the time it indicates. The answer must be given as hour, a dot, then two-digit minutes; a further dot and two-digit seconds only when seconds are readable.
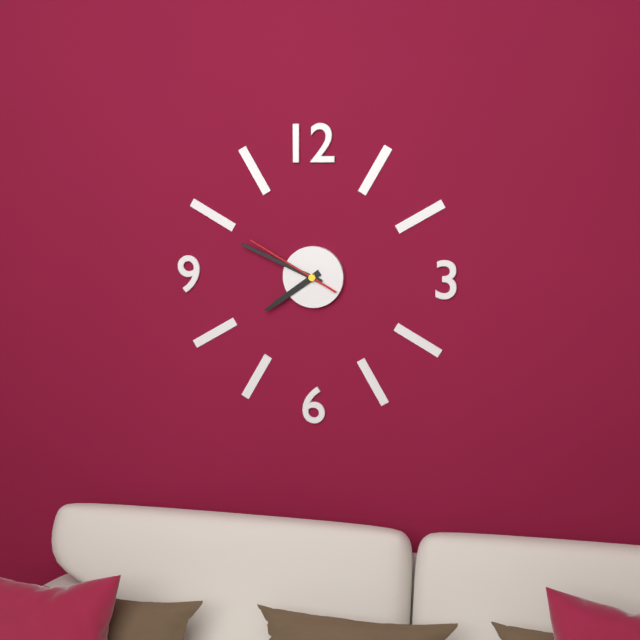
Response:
7.49.50
